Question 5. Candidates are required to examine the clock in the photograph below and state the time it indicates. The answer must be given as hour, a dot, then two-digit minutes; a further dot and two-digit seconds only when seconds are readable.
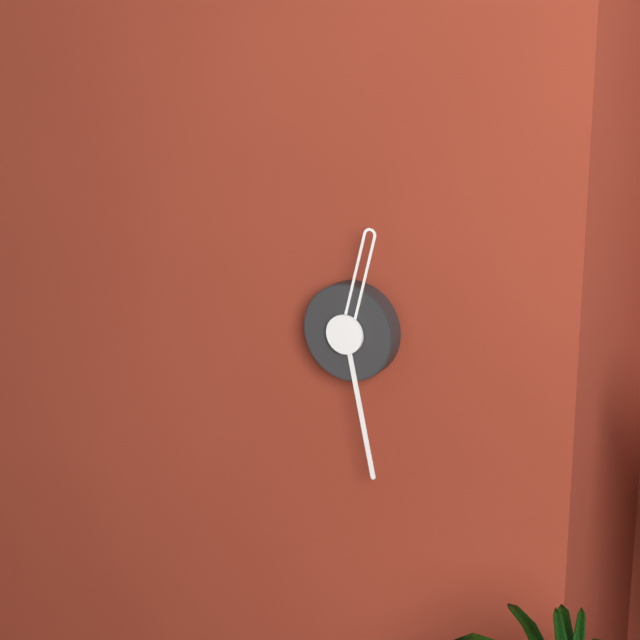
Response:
12.28
